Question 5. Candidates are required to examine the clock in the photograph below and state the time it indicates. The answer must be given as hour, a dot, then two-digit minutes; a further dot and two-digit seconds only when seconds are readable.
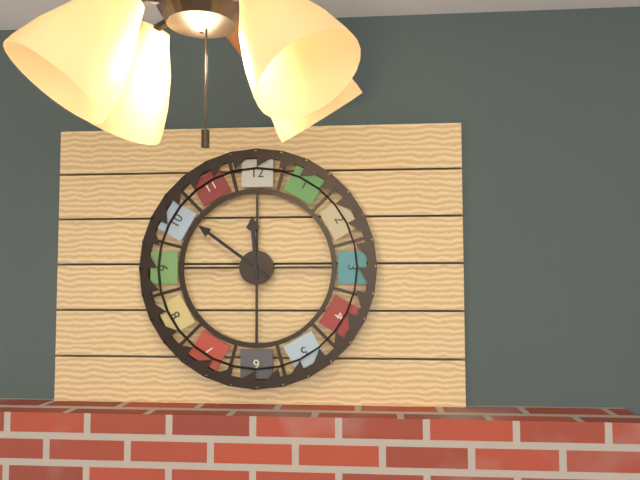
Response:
11.51
